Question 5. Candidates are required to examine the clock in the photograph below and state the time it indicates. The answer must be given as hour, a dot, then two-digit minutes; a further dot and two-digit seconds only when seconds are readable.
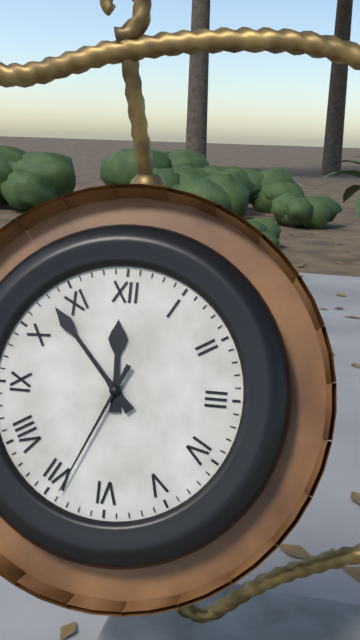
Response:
11.53.34
